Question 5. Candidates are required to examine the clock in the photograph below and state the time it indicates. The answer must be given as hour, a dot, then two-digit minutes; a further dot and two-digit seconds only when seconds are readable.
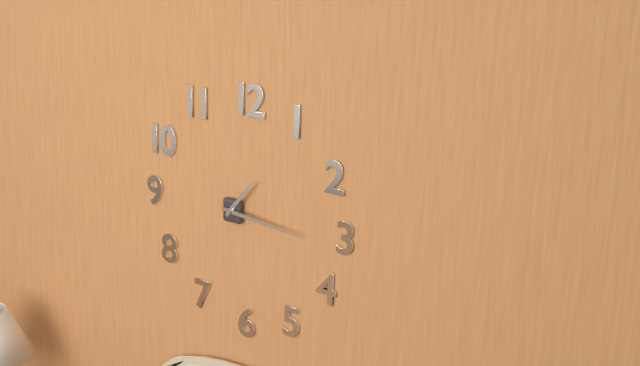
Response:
1.16
